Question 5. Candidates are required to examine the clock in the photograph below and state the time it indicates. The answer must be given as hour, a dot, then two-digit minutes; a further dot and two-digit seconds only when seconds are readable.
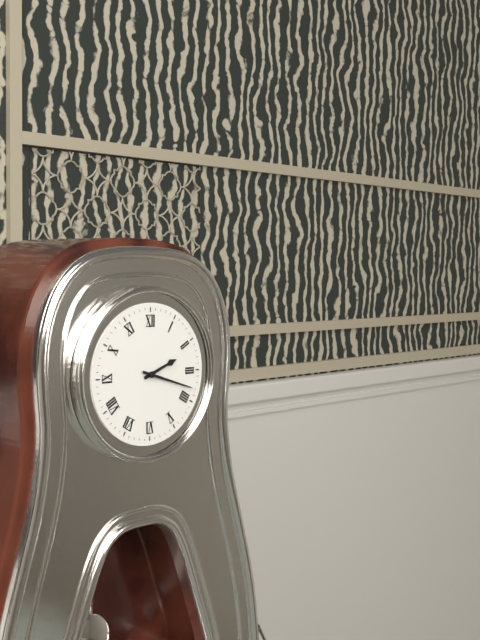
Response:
2.18
